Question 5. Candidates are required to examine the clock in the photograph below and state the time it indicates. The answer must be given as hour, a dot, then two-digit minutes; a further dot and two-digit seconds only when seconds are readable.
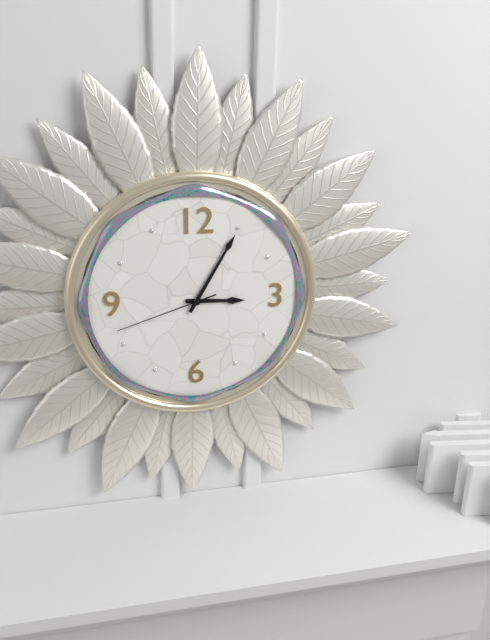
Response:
3.05.42
